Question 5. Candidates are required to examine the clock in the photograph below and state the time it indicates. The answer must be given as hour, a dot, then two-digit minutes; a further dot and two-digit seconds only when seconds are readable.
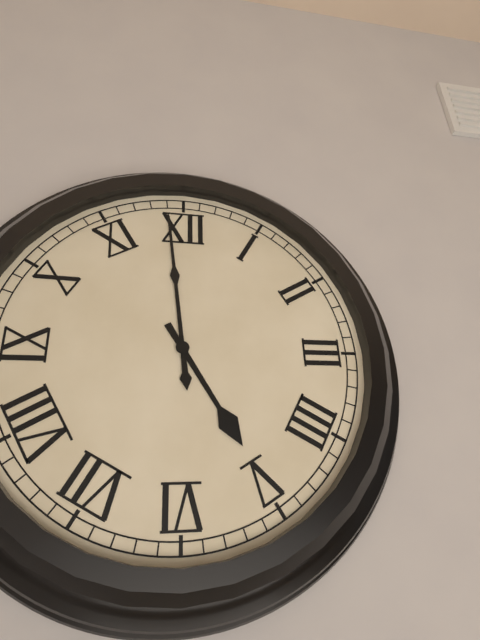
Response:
4.59
